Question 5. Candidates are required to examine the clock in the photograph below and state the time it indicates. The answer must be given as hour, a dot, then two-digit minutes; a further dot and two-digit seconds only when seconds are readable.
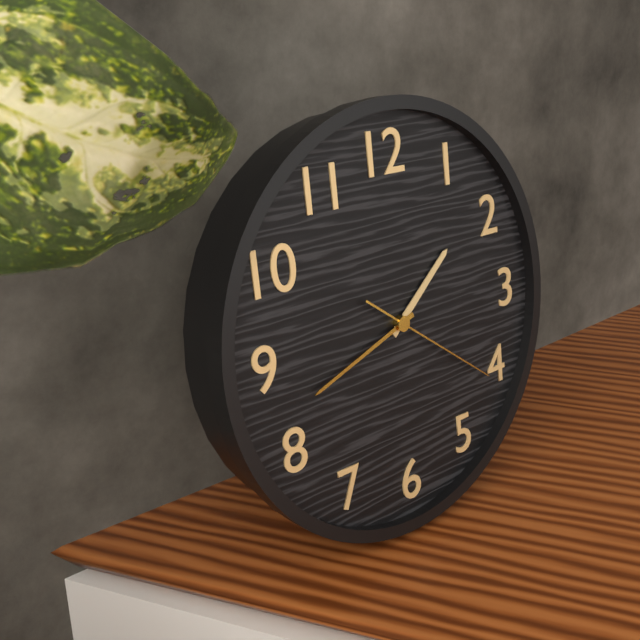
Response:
1.42.21
